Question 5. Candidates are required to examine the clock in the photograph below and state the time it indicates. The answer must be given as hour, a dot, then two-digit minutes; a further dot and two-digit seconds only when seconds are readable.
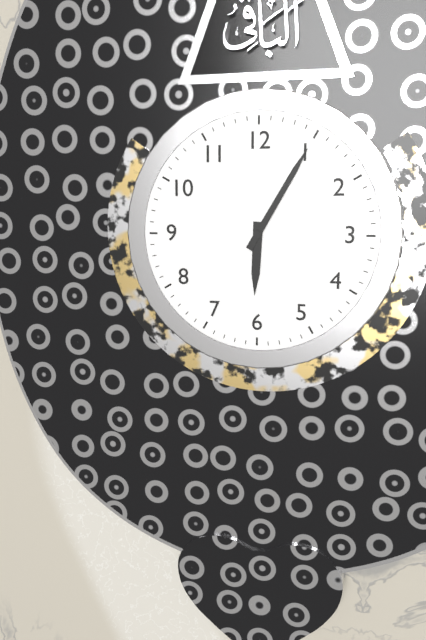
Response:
6.05
